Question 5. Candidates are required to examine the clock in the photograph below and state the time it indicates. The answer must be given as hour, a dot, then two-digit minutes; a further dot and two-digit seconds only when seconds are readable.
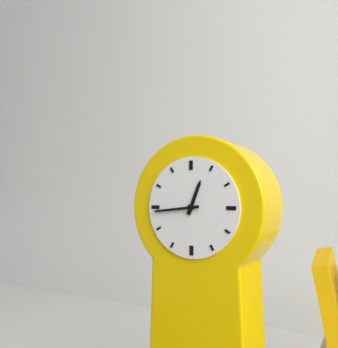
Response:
12.44
